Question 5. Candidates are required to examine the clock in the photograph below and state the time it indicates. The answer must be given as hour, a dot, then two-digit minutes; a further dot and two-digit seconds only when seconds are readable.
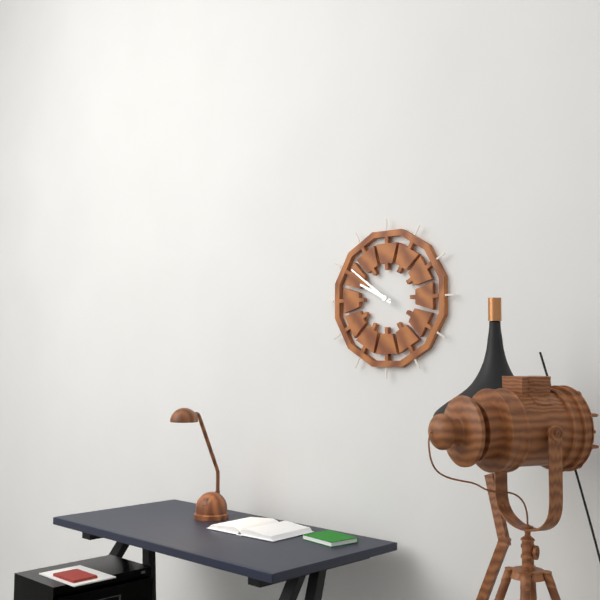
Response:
9.51
